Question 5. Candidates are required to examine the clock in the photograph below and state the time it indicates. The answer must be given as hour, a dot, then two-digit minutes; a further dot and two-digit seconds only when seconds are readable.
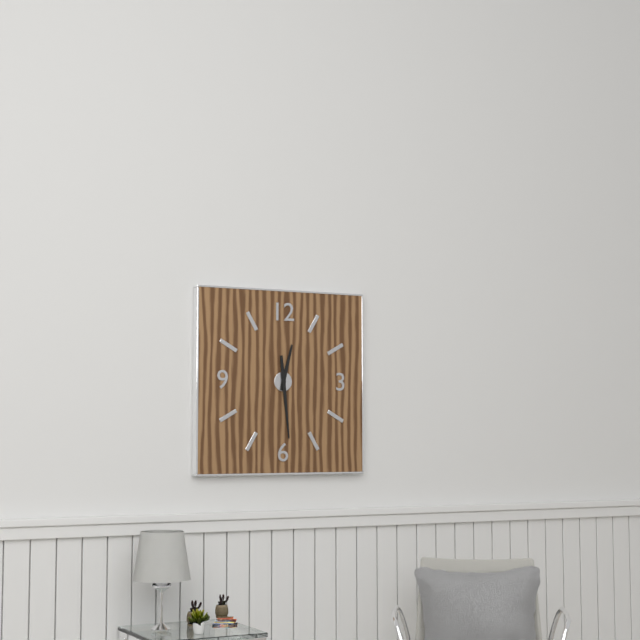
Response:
12.29
